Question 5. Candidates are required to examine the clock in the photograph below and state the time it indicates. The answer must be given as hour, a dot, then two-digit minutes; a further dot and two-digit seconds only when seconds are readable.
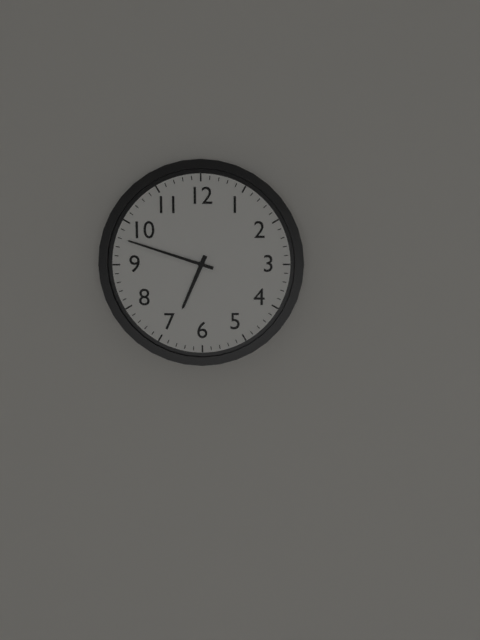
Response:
6.48
